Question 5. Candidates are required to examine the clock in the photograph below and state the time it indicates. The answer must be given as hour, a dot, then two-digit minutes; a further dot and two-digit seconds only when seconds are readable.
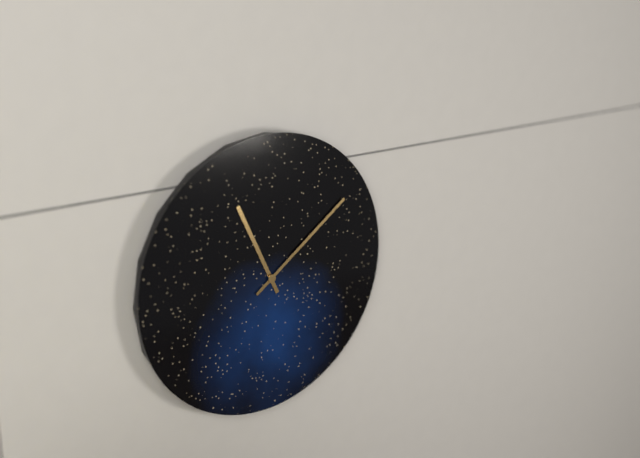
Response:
11.09
